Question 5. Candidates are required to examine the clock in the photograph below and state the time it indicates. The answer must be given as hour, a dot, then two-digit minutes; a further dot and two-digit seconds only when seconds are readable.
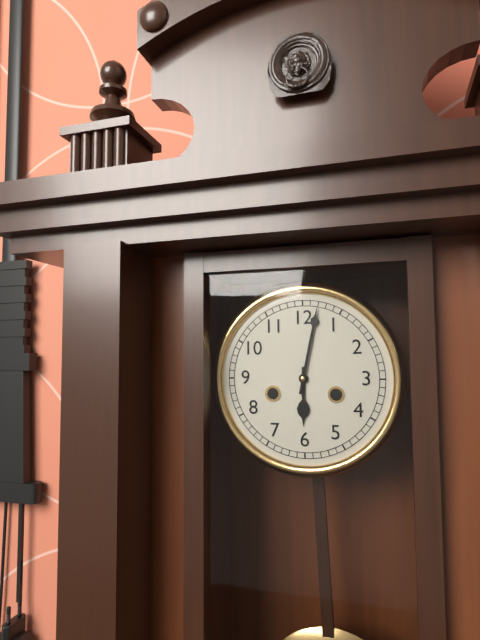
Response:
6.02
